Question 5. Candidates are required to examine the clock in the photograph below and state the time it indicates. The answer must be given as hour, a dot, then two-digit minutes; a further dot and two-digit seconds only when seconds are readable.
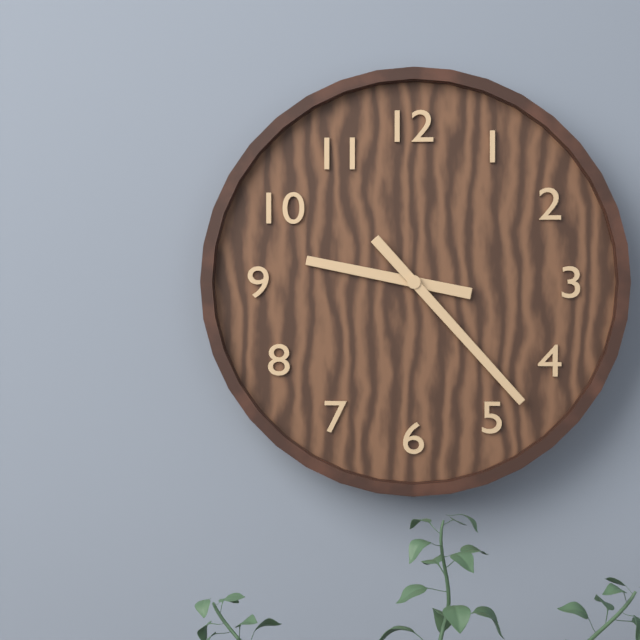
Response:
9.23
